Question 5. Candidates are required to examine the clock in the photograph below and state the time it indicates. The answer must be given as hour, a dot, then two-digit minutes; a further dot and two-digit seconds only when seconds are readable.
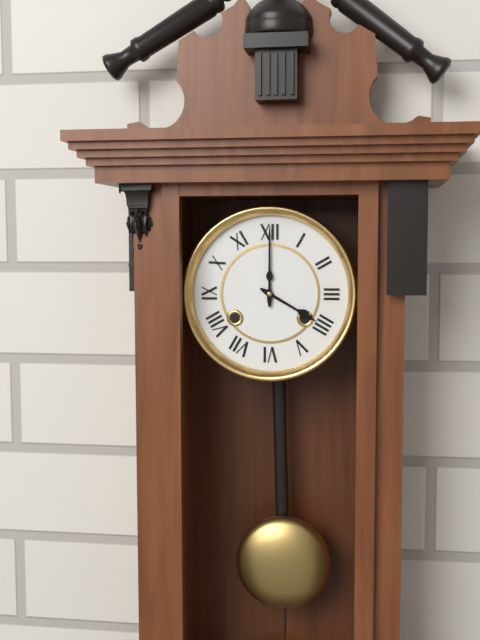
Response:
4.00
